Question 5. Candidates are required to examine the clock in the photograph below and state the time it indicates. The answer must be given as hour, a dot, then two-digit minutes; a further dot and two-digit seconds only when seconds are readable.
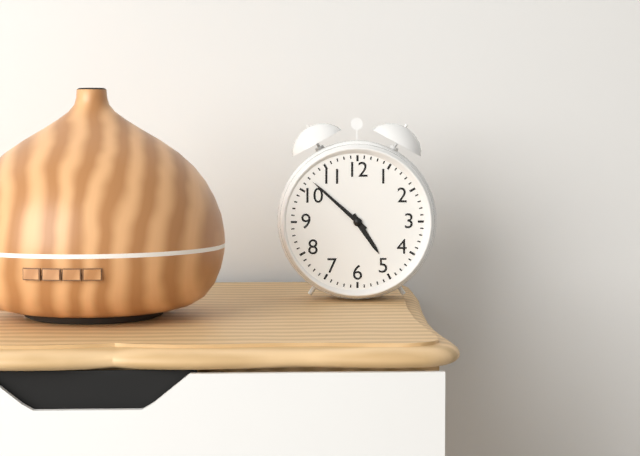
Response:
4.52
